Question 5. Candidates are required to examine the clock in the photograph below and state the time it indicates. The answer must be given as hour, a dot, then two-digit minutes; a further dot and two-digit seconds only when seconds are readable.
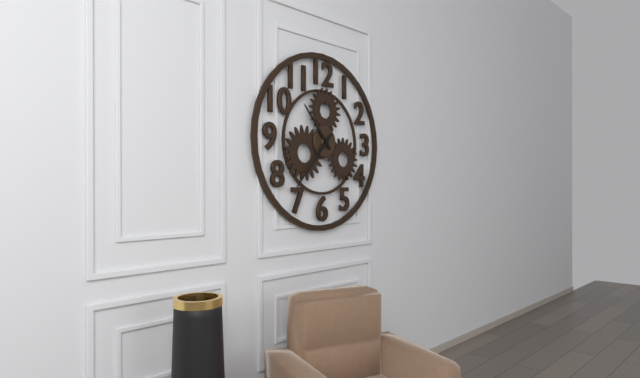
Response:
10.37
